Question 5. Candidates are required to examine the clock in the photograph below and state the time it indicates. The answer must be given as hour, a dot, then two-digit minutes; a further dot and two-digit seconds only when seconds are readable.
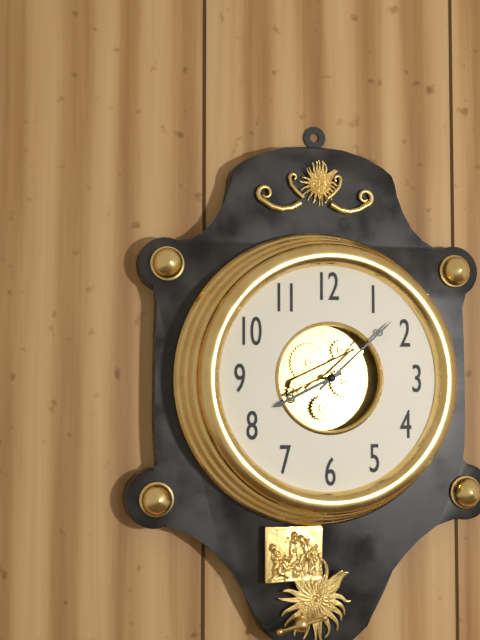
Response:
8.08
